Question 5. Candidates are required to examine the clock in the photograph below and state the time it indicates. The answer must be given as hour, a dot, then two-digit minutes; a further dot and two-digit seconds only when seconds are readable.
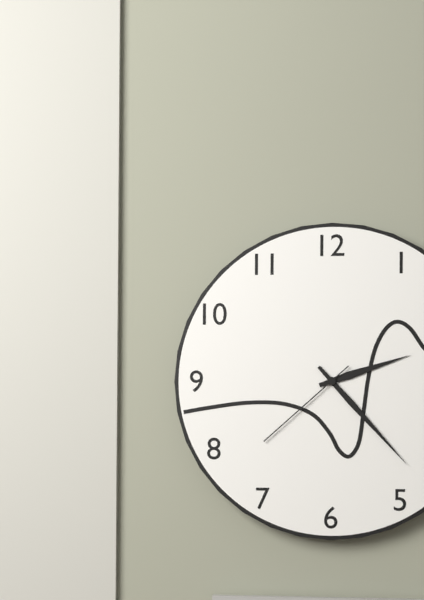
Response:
2.23.38
